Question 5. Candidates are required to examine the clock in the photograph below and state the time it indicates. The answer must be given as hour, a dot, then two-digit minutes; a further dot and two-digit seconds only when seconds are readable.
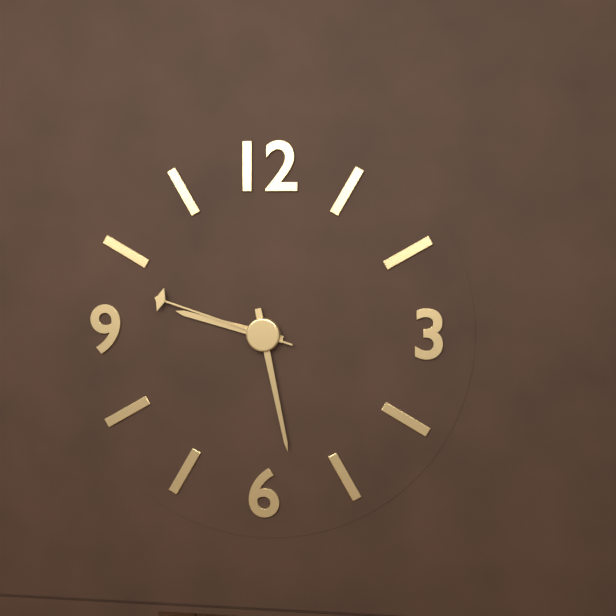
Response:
9.28.48
